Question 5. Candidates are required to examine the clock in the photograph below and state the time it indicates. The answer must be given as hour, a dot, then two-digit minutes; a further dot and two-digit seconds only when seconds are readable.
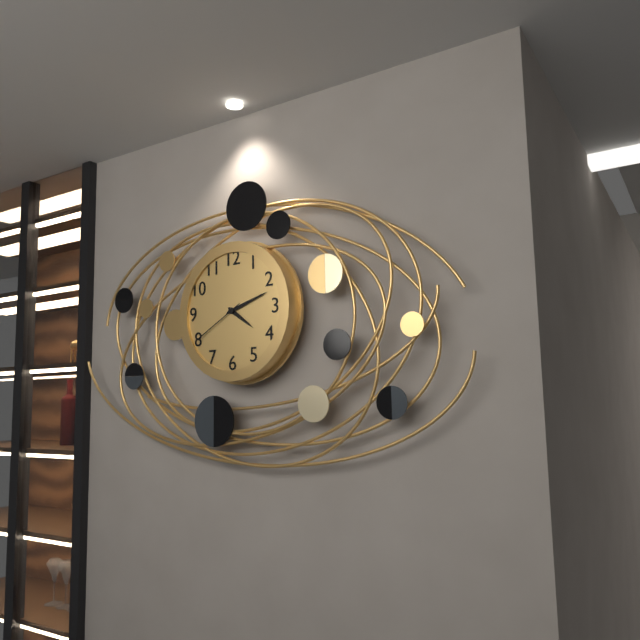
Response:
4.12.40
